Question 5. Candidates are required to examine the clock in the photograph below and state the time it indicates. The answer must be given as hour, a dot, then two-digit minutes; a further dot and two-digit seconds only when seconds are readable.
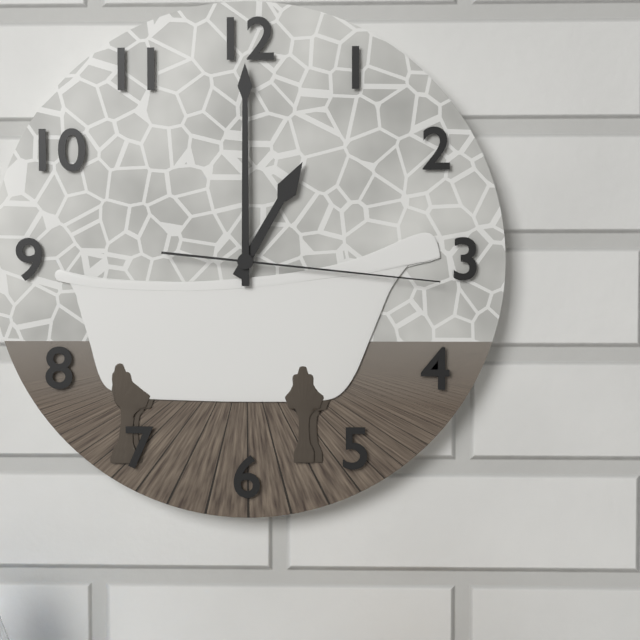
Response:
1.00.16
